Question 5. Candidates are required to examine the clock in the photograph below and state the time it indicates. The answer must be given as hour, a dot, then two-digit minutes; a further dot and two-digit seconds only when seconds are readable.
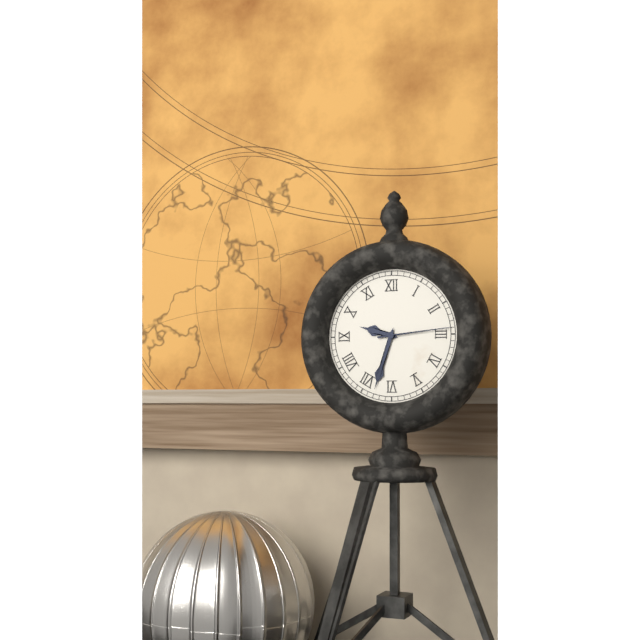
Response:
9.33.14
